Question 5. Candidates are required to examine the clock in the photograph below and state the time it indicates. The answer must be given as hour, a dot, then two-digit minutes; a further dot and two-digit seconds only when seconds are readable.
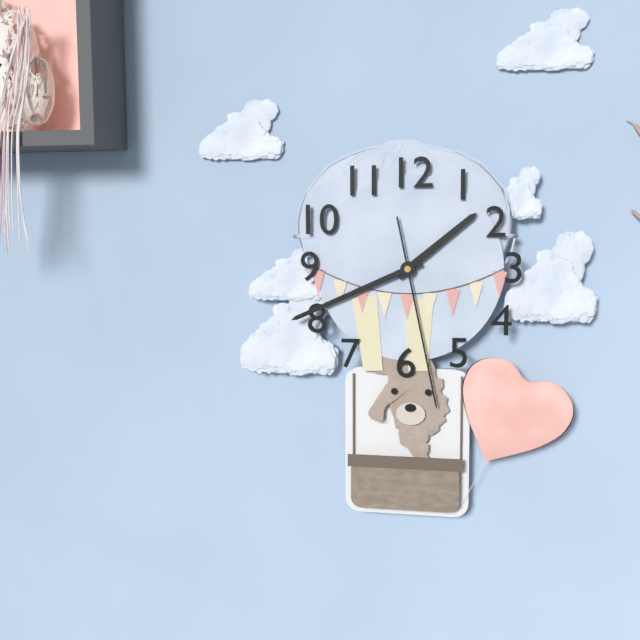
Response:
1.41.28
